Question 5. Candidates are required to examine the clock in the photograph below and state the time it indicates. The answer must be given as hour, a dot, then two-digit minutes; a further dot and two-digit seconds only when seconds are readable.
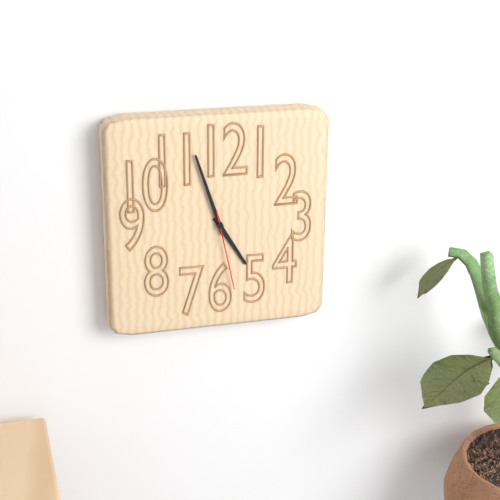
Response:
4.57.28
